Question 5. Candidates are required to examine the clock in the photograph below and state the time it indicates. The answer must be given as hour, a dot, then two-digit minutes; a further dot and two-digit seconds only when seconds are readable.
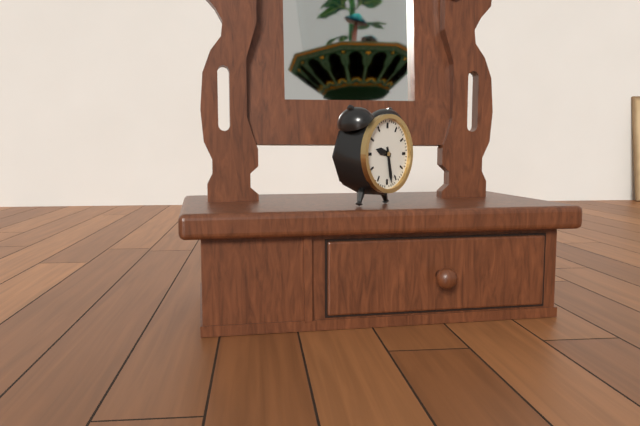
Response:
9.28
